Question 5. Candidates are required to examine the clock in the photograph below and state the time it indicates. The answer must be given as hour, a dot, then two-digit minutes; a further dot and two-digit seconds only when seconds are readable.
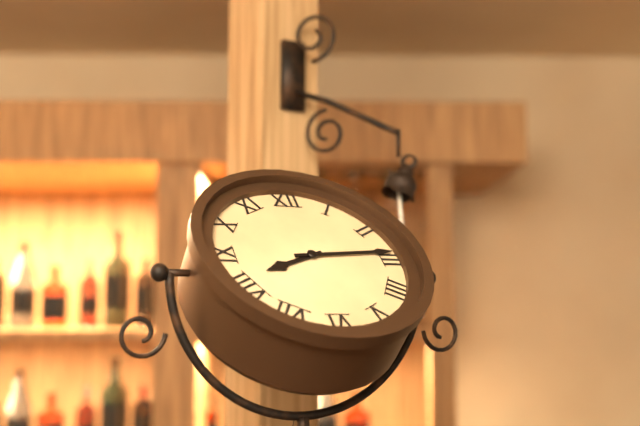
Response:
8.14
